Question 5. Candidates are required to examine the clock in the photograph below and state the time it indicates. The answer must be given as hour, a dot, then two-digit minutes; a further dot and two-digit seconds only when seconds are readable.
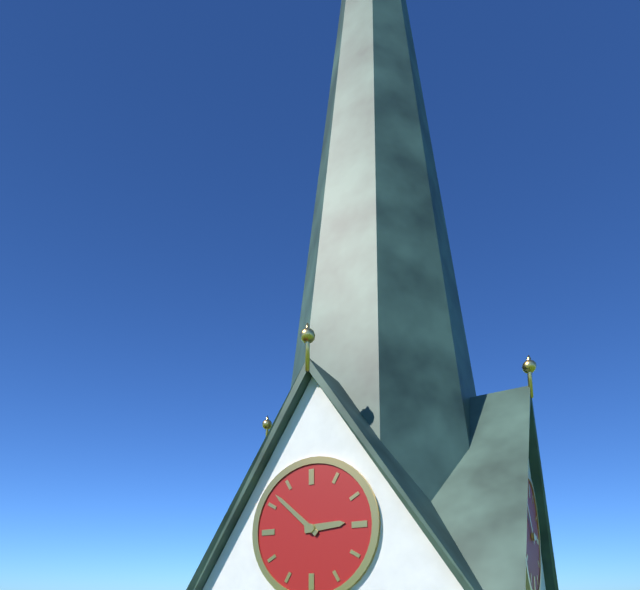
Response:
2.52
